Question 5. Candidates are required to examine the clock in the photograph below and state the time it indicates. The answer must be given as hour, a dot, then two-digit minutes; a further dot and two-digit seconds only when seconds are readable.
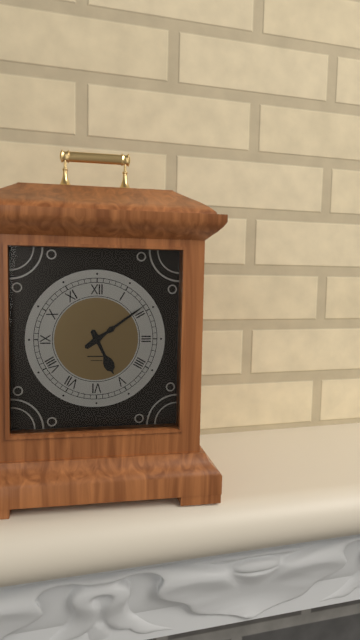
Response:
5.09
